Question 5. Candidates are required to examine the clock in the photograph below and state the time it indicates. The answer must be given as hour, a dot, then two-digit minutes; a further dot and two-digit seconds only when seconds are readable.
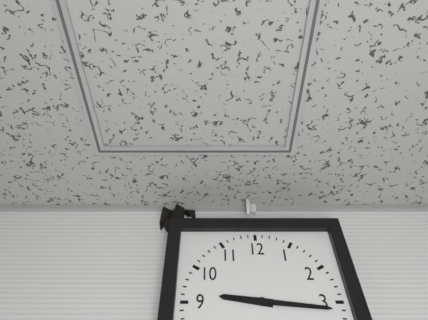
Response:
9.16
